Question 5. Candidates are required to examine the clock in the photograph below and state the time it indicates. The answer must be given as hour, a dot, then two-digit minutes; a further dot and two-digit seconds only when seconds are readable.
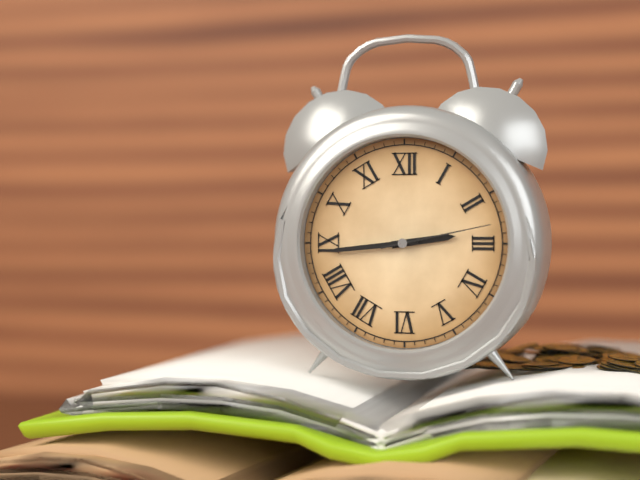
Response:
2.44.13
